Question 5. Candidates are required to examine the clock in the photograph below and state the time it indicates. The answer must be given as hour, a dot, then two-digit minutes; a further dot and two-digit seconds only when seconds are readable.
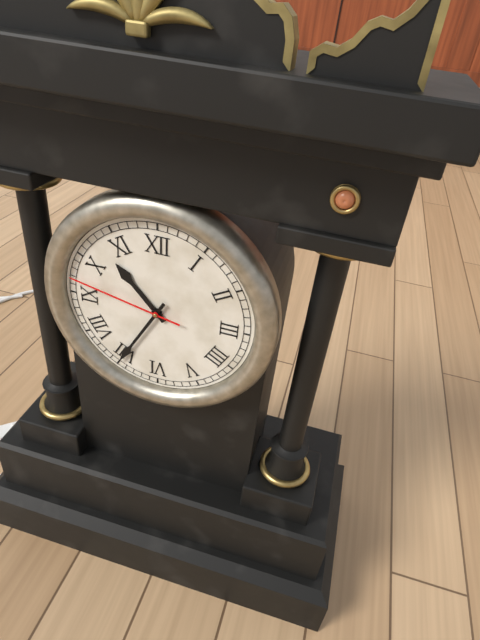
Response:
10.35.47
